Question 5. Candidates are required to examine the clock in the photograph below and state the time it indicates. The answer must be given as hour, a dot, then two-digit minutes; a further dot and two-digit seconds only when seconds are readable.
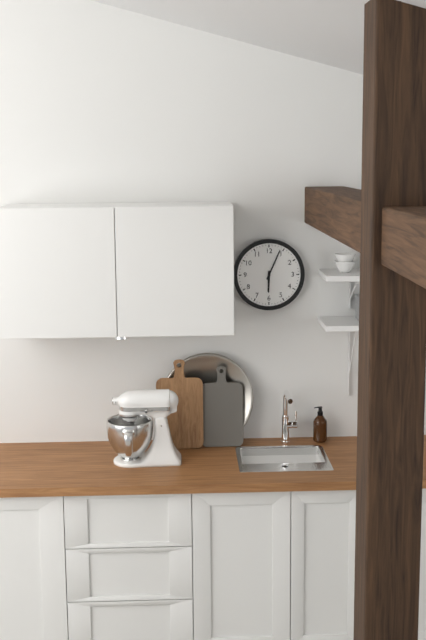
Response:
6.04
